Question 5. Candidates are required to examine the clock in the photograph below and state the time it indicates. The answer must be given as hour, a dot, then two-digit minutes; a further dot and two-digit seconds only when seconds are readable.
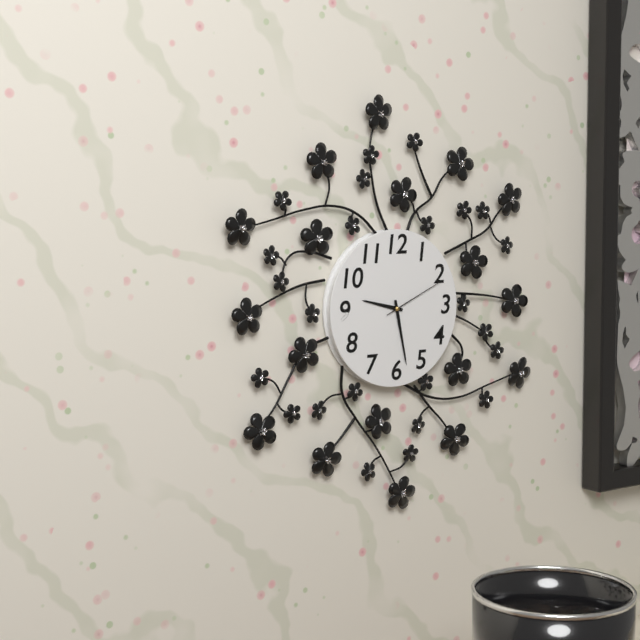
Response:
9.28.11
